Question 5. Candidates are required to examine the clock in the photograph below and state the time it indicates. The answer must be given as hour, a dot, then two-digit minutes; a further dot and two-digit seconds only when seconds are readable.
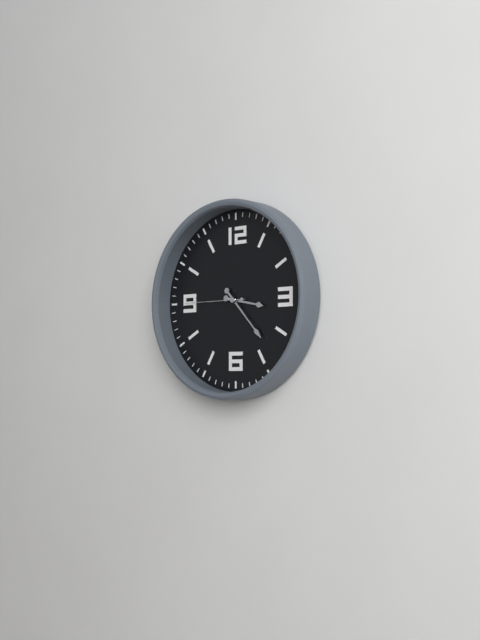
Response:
3.23.45
